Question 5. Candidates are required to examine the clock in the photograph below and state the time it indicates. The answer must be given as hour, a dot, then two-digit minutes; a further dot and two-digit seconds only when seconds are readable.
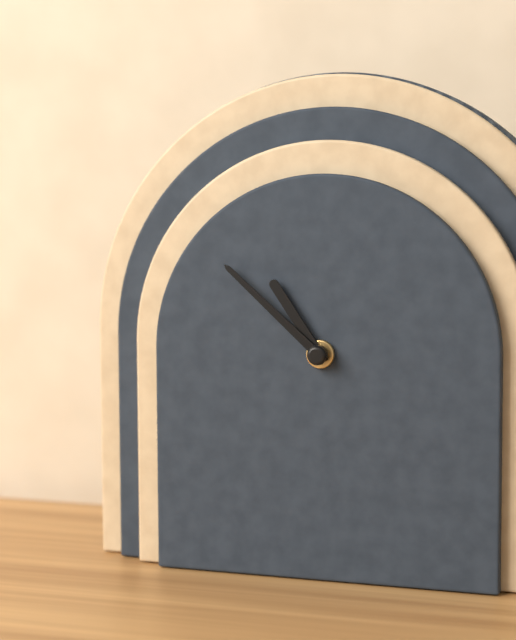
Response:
10.52
